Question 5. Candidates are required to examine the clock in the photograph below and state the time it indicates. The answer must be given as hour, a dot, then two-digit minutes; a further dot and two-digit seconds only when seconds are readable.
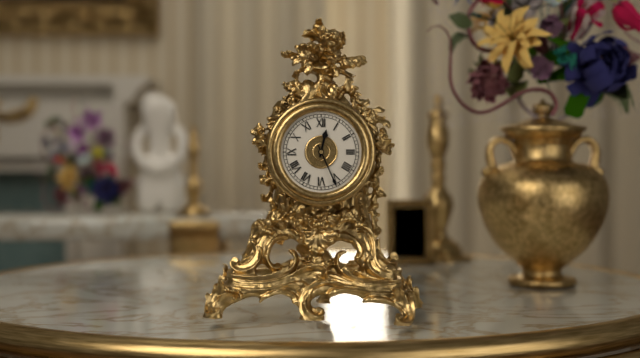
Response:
12.26
